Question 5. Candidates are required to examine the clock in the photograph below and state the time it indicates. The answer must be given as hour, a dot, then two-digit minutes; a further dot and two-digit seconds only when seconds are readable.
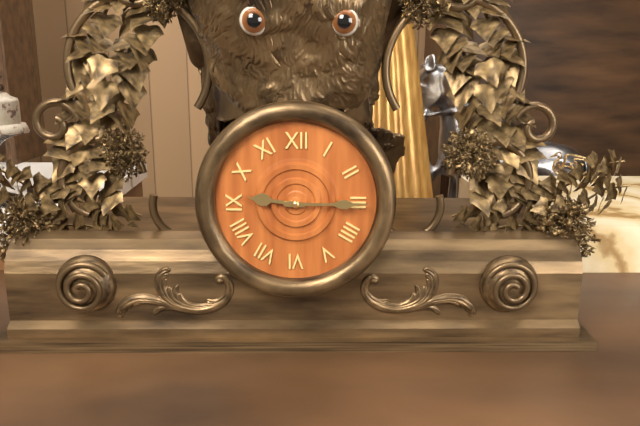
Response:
9.15
